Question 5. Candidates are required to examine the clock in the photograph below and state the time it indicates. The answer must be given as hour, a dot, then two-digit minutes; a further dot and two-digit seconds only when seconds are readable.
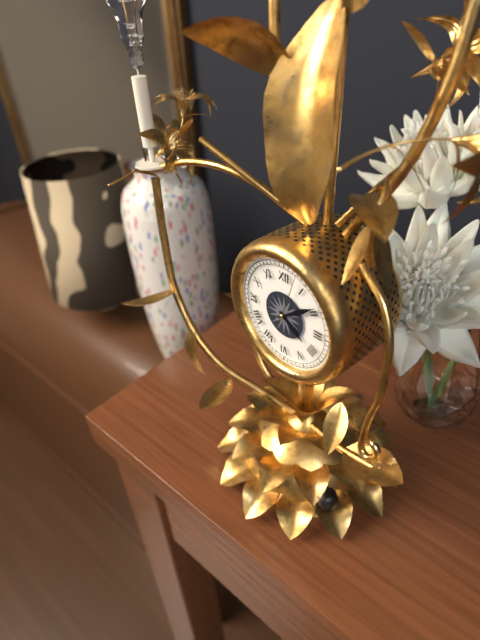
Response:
4.09
